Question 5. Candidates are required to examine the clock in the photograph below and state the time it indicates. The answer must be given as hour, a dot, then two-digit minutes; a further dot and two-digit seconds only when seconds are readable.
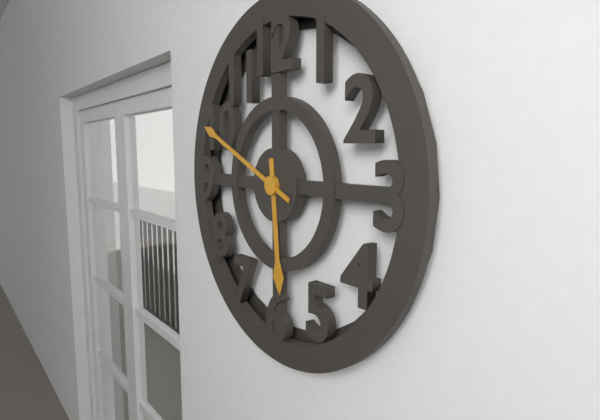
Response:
5.49
